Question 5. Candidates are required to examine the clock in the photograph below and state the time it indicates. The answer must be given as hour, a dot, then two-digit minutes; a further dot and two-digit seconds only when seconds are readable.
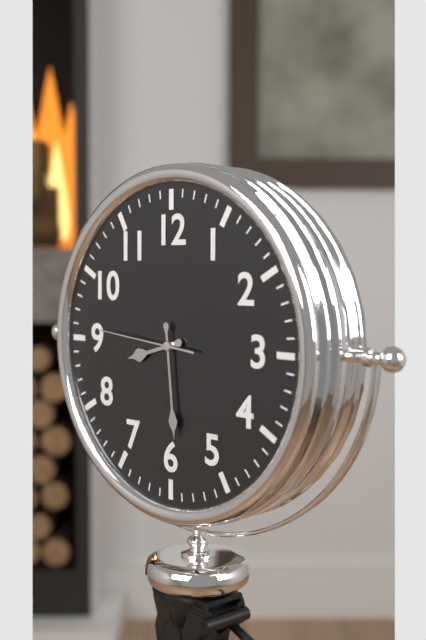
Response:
8.29.46
